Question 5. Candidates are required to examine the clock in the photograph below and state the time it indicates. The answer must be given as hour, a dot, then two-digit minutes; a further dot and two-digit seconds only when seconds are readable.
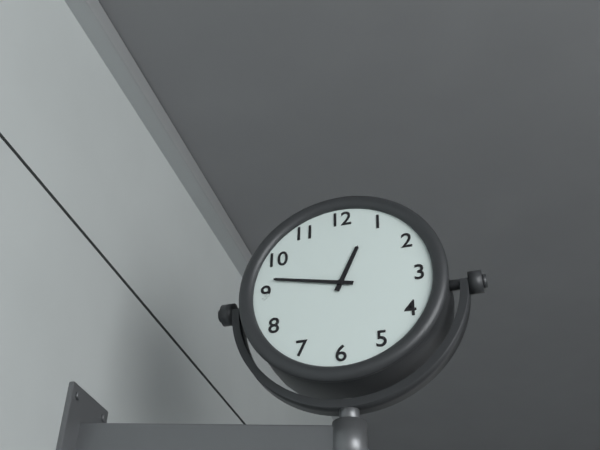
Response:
12.47
